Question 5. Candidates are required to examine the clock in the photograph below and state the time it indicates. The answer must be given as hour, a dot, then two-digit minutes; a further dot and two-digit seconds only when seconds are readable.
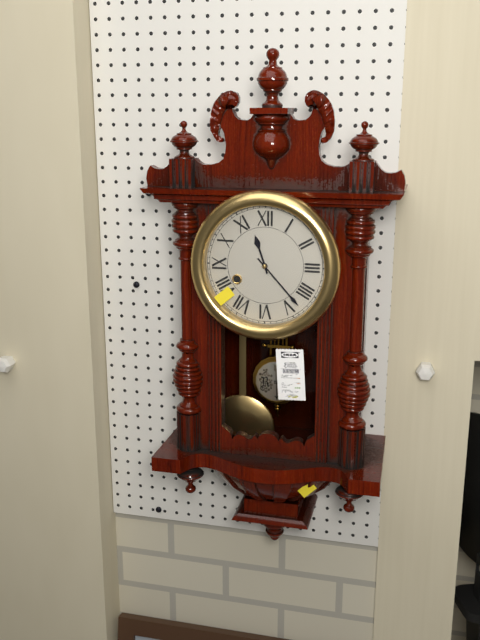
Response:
11.23
